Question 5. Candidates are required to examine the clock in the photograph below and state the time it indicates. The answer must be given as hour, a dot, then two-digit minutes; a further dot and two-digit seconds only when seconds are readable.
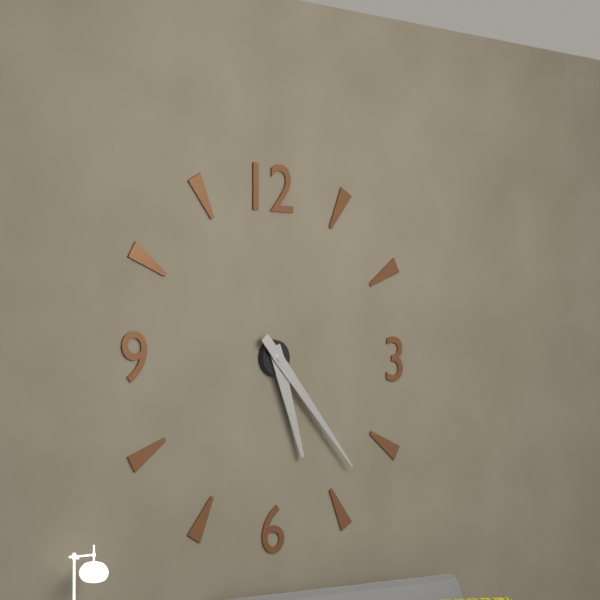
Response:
5.23
